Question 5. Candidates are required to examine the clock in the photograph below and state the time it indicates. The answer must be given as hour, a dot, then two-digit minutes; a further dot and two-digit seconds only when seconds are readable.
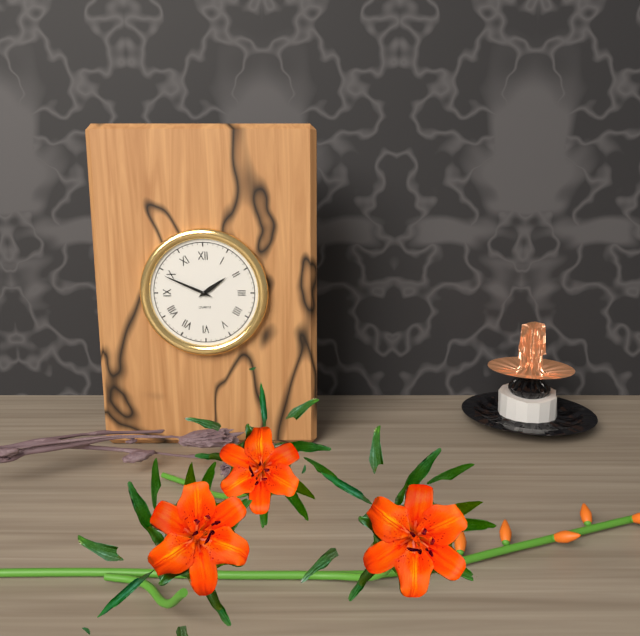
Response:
1.49
